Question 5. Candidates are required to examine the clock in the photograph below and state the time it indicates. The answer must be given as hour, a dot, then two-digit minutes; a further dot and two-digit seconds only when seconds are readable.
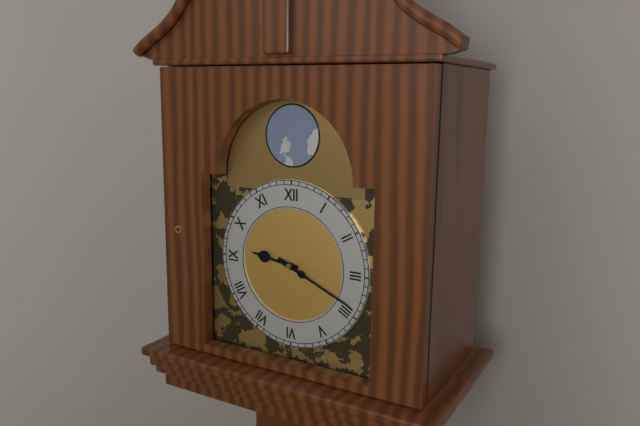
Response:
9.19
